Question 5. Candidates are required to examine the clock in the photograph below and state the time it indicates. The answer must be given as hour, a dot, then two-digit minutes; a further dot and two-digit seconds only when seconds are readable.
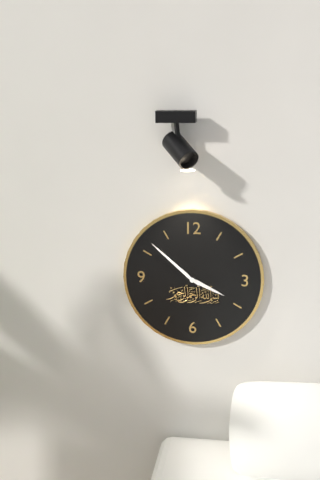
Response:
3.52
